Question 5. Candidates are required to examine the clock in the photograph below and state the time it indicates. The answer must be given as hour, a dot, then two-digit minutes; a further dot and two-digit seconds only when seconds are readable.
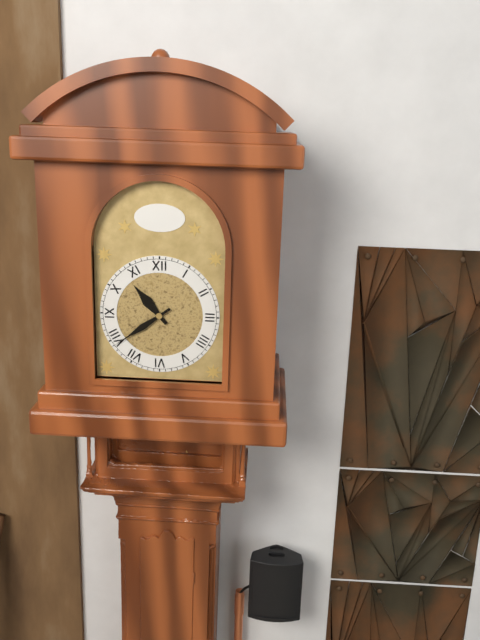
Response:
10.39
